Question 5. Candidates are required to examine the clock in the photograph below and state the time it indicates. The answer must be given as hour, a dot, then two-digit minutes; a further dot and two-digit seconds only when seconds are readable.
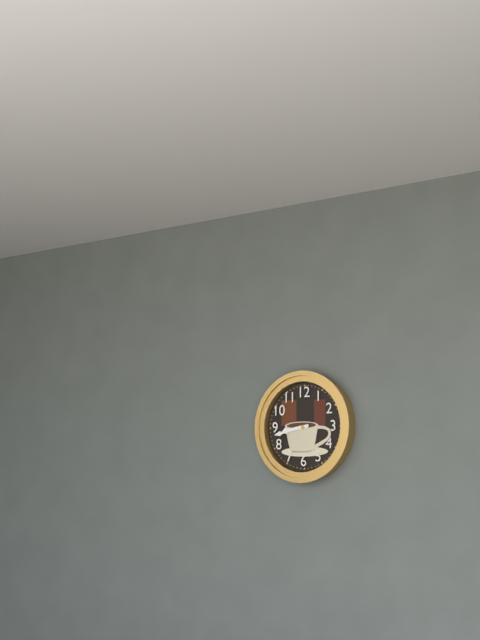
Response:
8.43
